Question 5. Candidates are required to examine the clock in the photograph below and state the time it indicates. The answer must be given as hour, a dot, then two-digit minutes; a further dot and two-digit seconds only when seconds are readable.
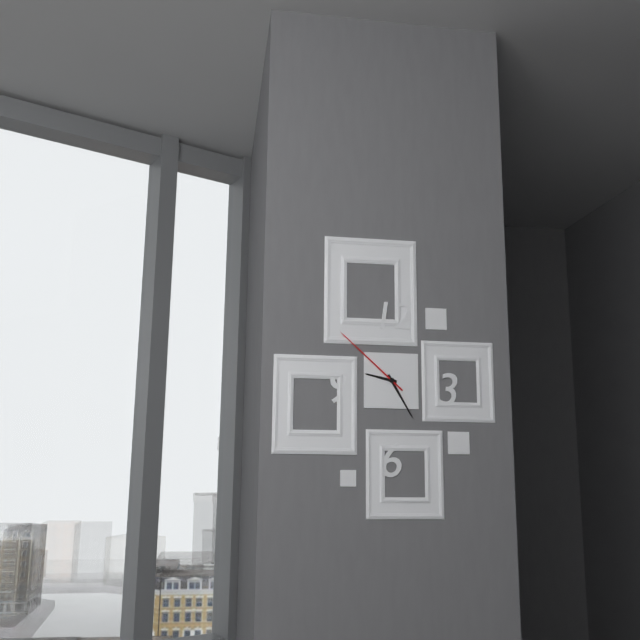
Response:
9.25.52
